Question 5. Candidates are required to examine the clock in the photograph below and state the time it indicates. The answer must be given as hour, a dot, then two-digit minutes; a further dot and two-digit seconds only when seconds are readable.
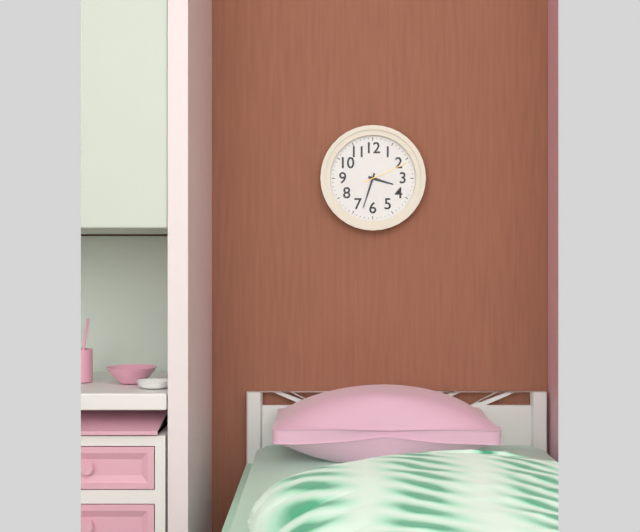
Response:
3.33
